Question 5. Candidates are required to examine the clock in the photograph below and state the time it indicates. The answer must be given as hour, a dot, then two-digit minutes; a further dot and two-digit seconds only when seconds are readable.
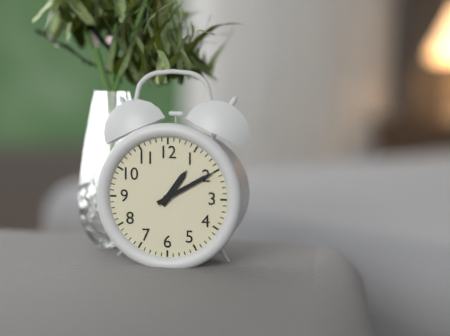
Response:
1.10
